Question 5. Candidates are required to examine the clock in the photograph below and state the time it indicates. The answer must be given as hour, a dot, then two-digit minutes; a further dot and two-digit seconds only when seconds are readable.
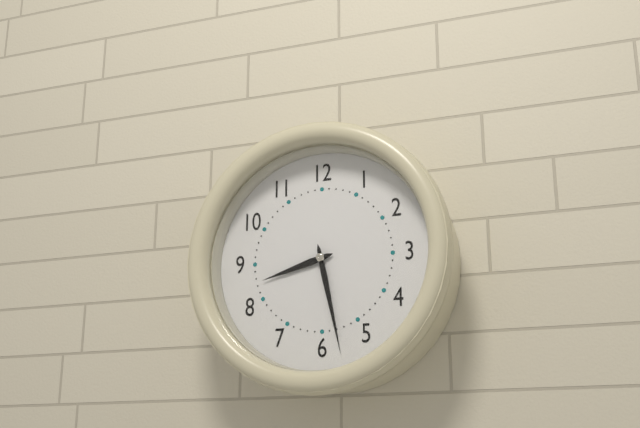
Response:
8.28
